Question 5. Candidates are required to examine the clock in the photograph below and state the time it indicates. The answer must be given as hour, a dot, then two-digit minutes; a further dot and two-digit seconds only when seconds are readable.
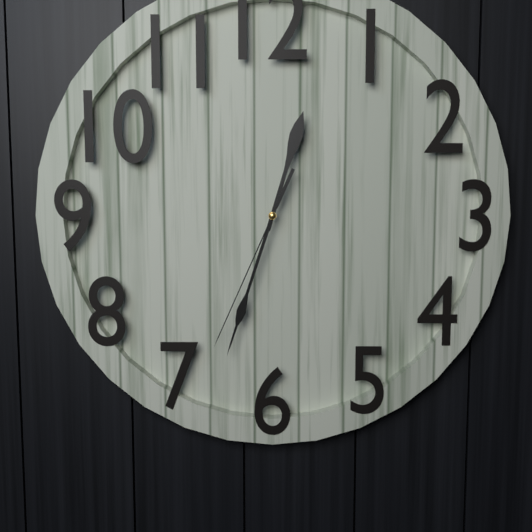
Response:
12.33.34
